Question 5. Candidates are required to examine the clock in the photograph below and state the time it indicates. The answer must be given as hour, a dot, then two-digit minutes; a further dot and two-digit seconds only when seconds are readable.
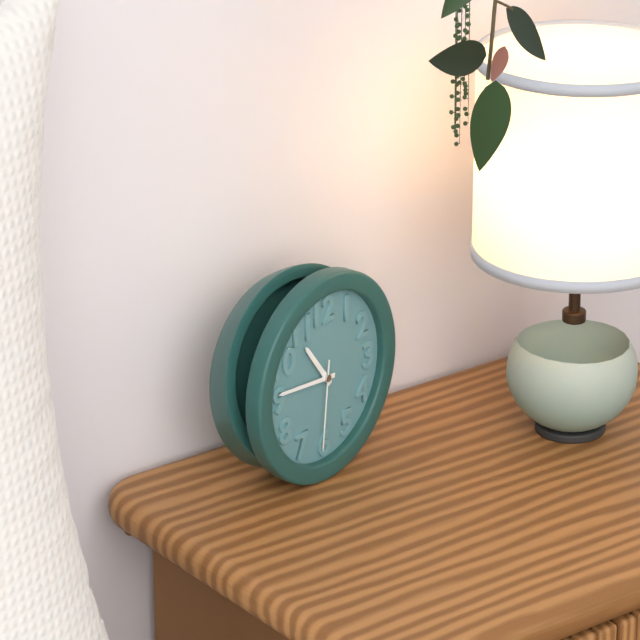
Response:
10.46.31
